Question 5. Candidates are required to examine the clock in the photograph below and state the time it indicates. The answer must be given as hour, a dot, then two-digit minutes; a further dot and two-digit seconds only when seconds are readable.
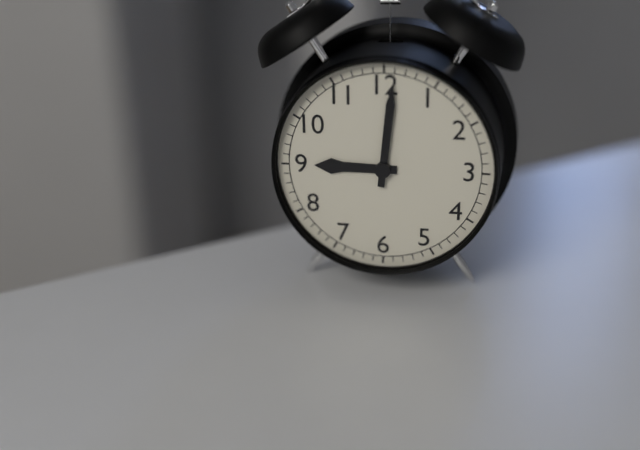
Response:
9.01
